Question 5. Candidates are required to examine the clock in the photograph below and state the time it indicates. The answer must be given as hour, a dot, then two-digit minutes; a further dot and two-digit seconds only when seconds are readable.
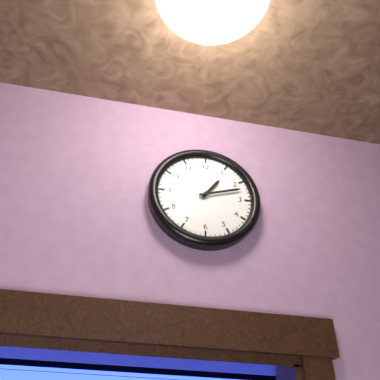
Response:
1.12
